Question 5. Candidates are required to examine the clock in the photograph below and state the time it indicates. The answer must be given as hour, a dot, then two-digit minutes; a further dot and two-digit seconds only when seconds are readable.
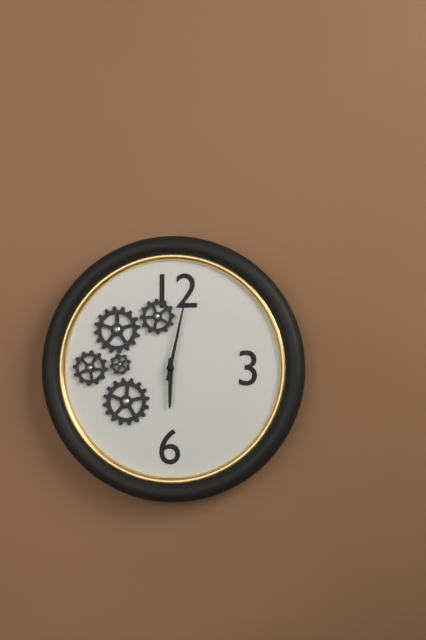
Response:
6.02
